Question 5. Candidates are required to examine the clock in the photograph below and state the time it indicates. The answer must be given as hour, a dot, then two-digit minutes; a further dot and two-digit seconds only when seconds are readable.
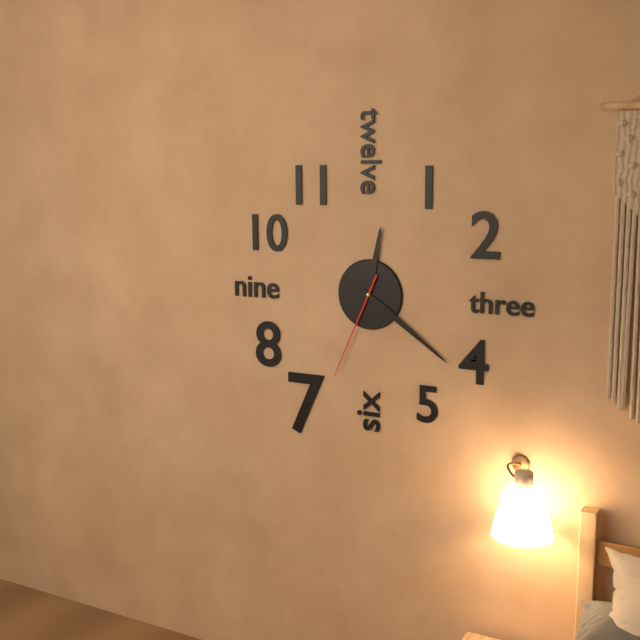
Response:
12.21.34
